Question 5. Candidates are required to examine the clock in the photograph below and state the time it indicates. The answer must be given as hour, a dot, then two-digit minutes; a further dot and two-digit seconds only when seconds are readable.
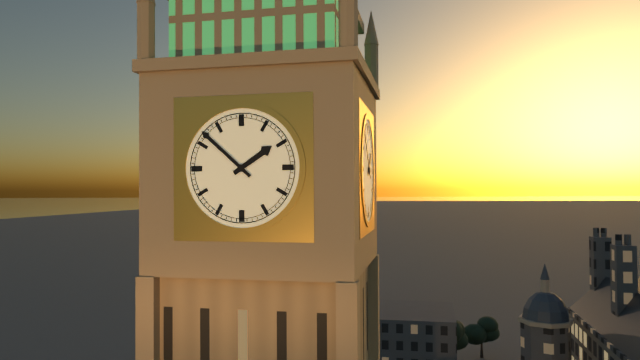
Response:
1.52
